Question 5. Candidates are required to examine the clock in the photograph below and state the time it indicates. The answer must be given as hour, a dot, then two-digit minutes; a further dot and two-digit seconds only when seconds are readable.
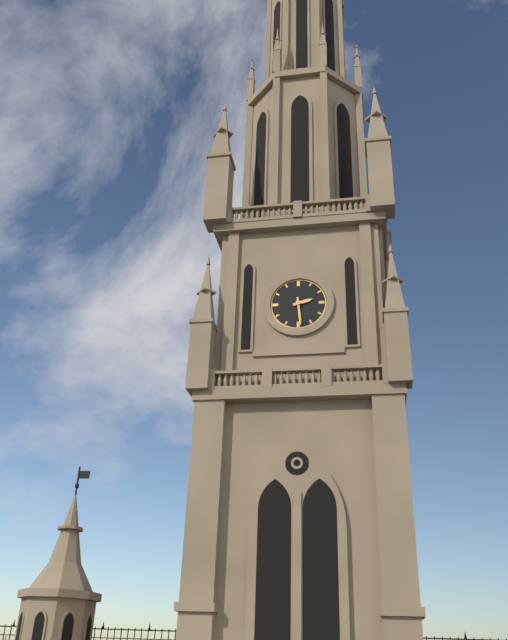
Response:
2.29
